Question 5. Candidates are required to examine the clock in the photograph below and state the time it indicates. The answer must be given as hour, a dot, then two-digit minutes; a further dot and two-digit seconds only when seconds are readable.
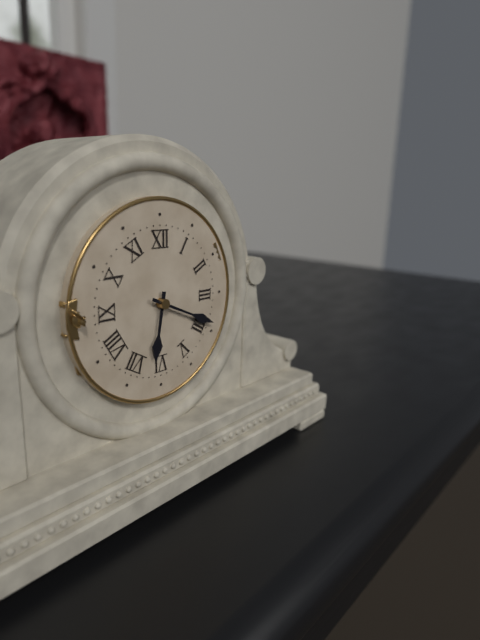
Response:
6.19
